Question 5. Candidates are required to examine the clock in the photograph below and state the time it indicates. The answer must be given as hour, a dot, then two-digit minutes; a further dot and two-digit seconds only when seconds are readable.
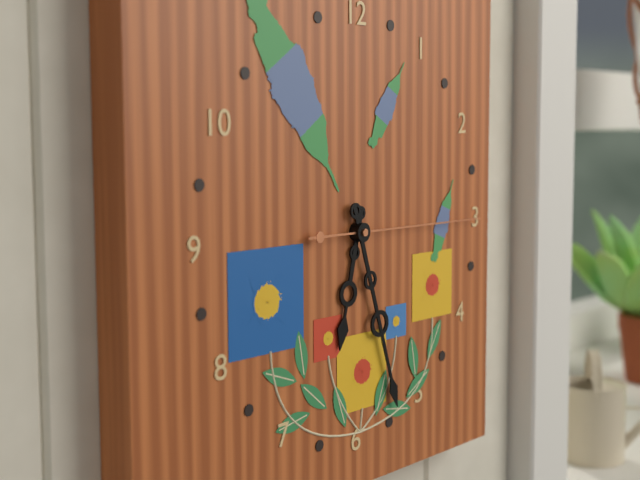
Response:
6.27.15
